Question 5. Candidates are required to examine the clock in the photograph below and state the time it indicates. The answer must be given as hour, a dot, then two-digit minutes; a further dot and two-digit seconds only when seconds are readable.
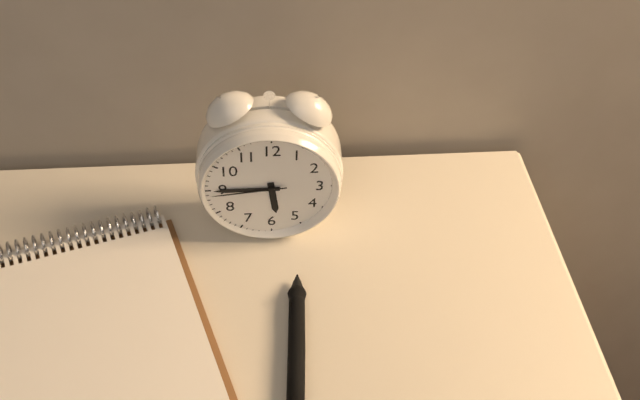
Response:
5.45.44
